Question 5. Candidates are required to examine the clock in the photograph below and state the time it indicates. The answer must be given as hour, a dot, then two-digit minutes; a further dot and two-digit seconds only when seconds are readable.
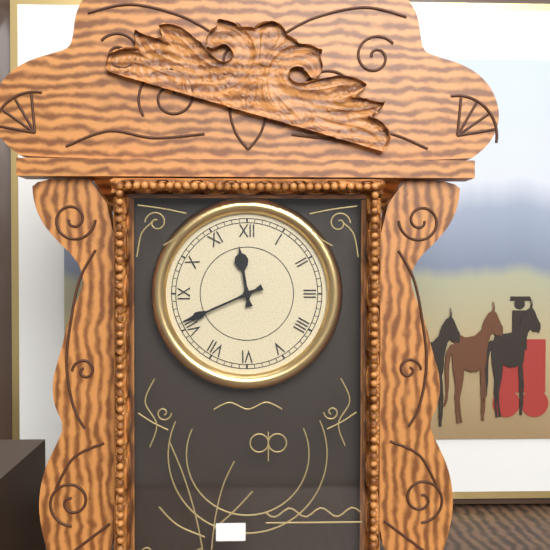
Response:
11.41
